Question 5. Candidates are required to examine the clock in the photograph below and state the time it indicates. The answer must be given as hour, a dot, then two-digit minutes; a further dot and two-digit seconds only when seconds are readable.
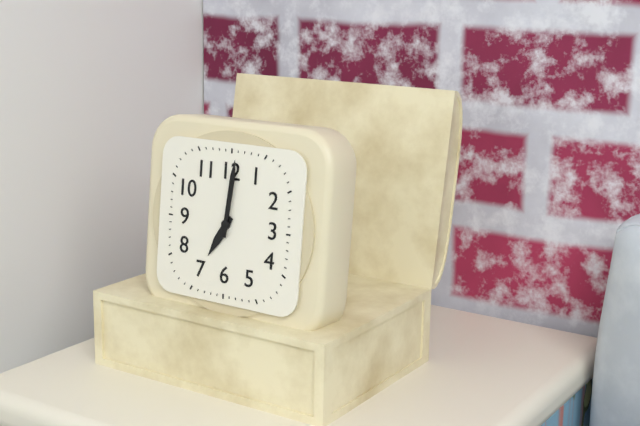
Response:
7.01
